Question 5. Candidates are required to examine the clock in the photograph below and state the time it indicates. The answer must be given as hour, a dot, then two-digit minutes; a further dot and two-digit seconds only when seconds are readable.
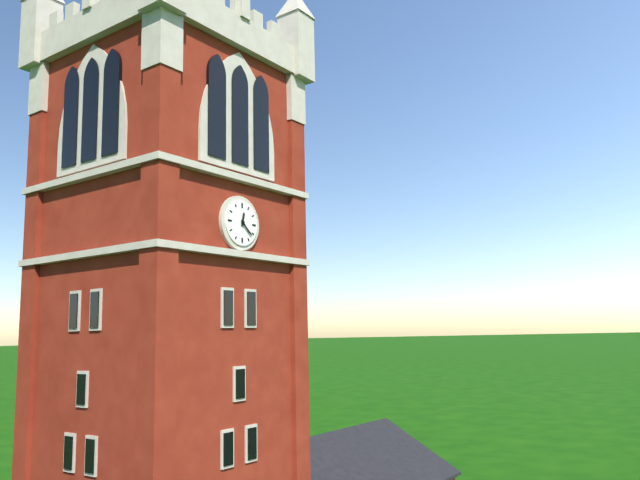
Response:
12.22
